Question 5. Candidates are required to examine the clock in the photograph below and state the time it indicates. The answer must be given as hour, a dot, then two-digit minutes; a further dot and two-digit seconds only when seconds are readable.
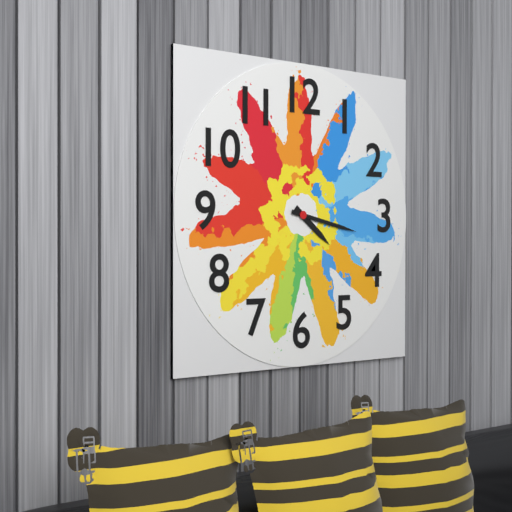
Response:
4.17
